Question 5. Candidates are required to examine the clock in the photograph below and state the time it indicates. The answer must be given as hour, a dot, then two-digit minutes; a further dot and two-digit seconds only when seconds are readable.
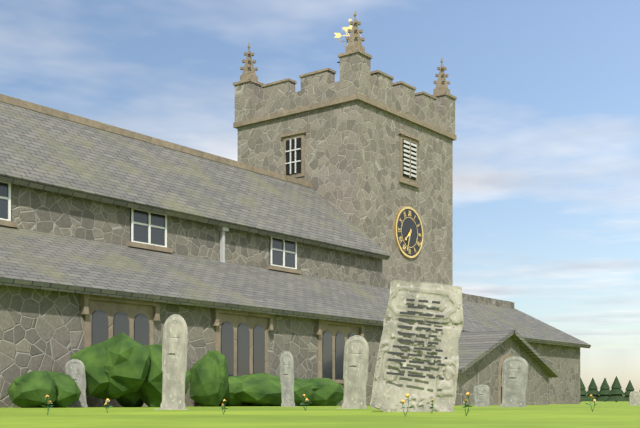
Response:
7.33
